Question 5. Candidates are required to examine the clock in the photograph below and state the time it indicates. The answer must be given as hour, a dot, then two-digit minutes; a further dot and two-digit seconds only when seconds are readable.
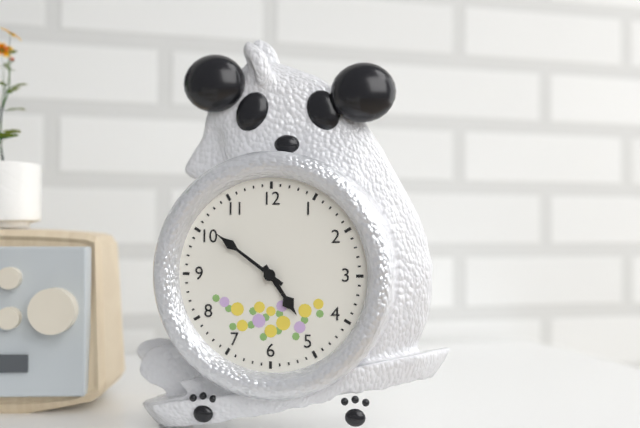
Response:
4.51
